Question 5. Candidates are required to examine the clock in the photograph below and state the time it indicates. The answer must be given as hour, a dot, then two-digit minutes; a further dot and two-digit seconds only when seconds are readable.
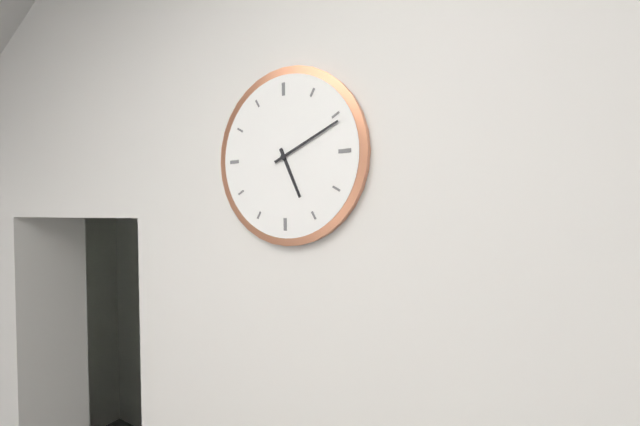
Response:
5.11
